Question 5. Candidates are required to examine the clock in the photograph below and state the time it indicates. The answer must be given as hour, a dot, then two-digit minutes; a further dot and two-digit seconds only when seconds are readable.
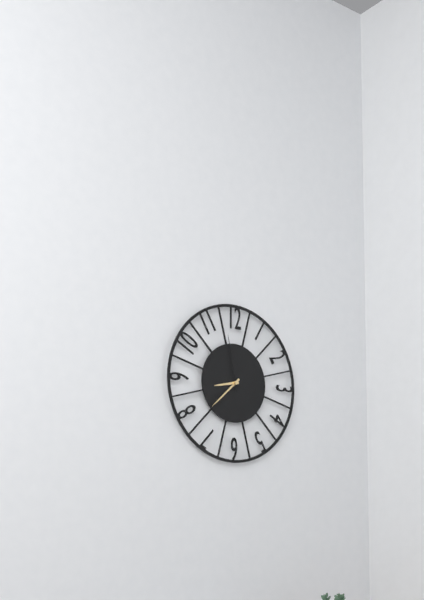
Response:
8.38.58
